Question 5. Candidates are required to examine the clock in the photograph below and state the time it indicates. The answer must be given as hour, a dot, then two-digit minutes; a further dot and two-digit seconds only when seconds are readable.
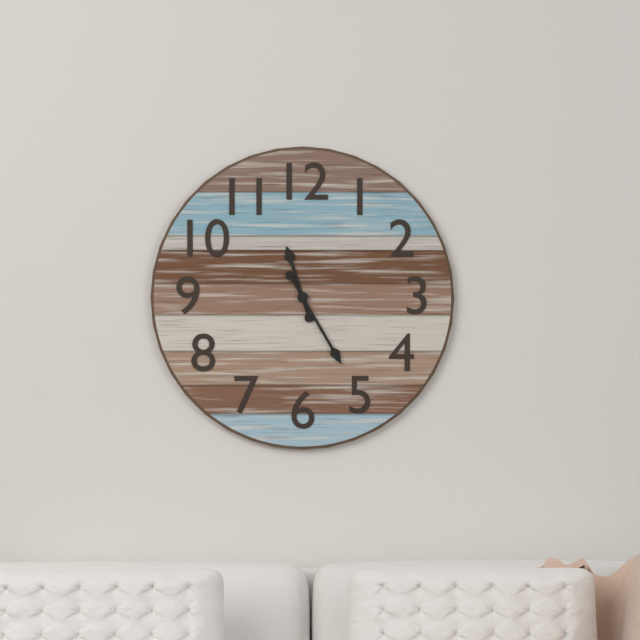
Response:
11.25
